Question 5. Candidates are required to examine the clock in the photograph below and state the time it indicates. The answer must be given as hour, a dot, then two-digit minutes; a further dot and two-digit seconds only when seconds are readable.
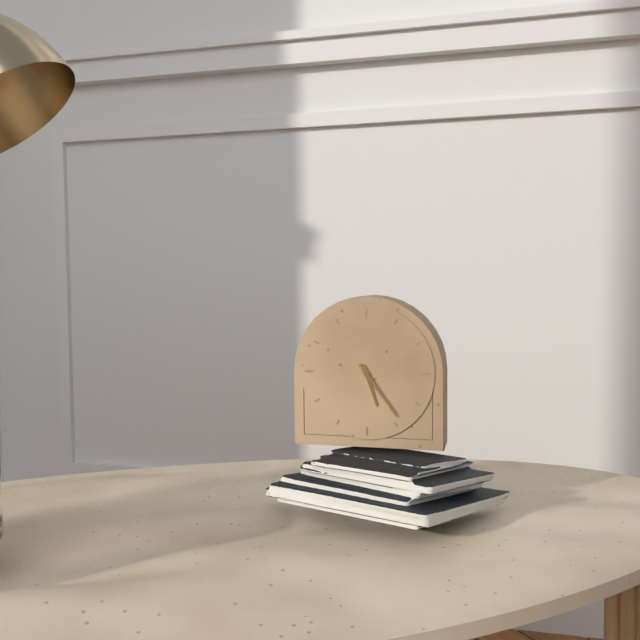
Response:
5.24
